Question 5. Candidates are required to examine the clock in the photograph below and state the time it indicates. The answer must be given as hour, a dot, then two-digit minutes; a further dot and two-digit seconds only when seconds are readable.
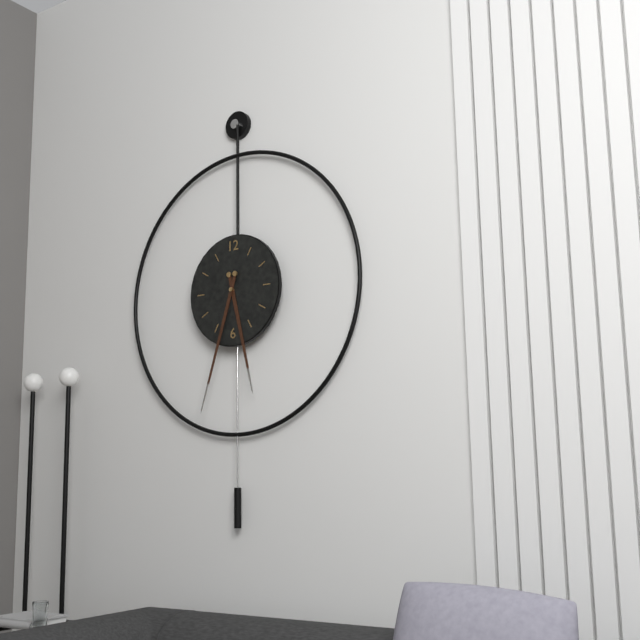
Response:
5.33
